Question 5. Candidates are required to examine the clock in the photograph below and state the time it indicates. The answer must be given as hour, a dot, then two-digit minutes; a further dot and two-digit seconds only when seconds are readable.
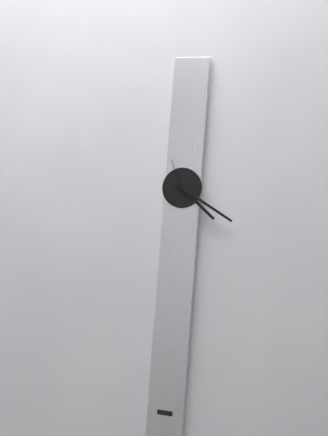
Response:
4.20
